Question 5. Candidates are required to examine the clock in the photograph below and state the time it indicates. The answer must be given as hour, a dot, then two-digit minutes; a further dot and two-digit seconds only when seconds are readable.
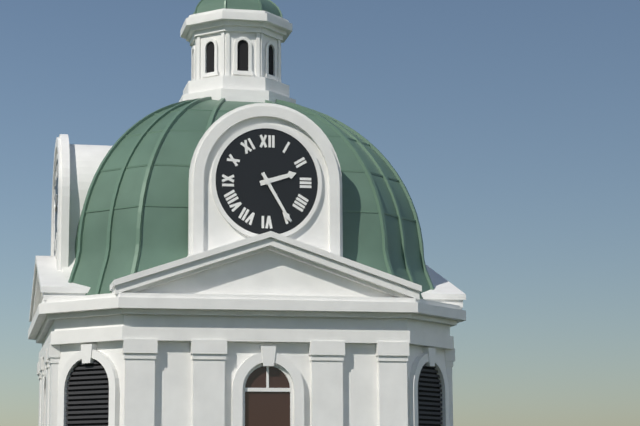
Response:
2.25
